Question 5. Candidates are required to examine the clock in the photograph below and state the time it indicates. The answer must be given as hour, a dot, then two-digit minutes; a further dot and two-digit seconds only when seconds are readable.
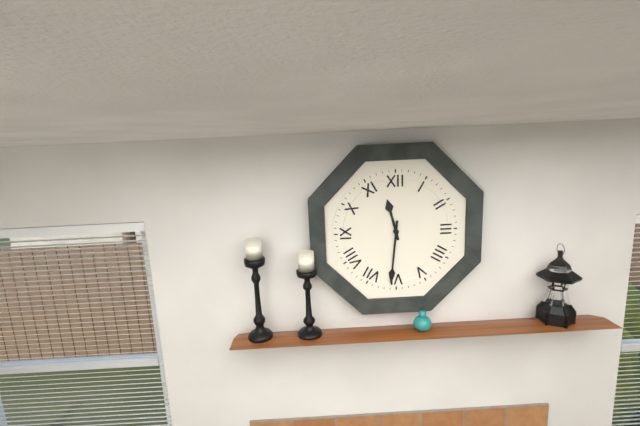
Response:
11.31
